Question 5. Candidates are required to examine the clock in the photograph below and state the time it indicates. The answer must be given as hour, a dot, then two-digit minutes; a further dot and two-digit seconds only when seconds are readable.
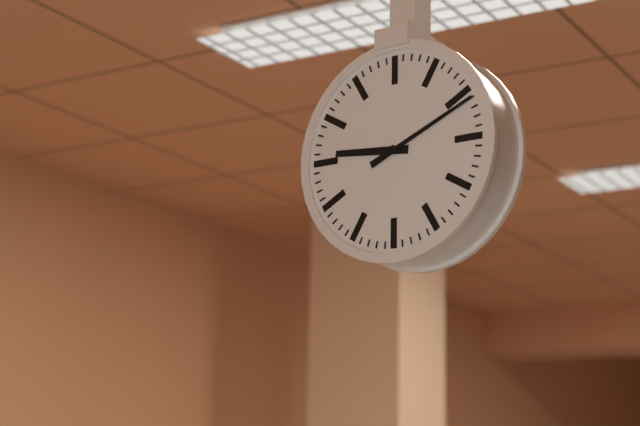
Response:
9.11
